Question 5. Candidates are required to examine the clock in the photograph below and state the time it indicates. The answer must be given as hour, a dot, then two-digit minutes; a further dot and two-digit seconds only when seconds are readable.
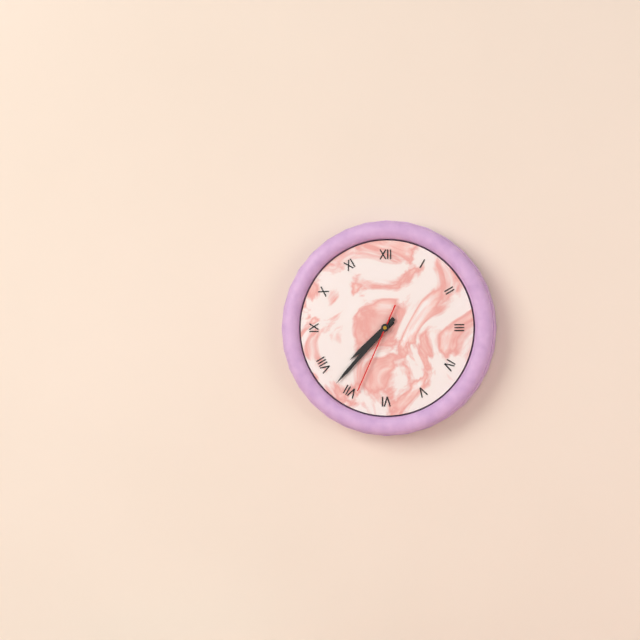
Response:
7.37.34
